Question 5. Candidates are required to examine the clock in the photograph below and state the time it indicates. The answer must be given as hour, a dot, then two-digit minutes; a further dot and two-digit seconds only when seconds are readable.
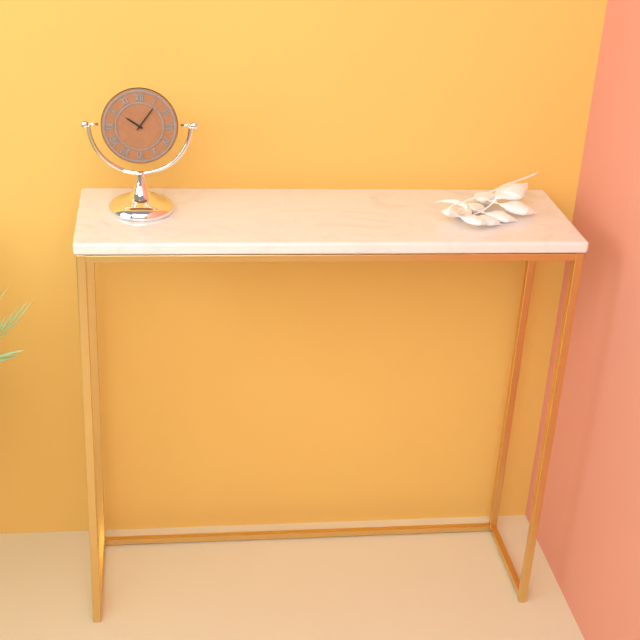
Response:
10.06
